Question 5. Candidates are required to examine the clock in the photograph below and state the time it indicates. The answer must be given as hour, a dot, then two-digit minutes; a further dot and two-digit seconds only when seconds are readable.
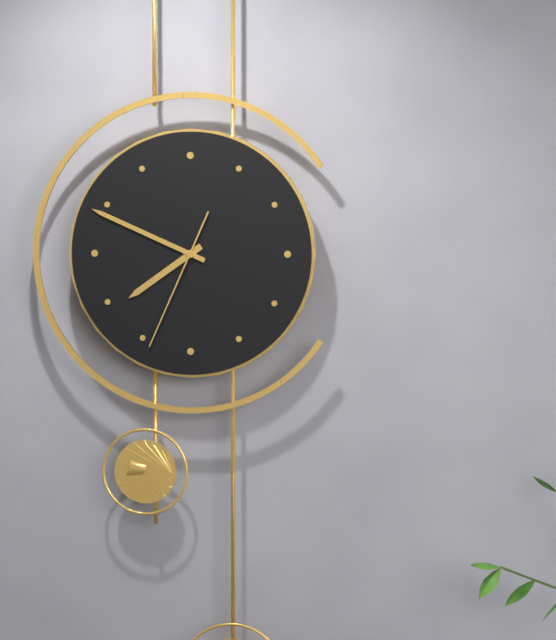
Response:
7.49.34
